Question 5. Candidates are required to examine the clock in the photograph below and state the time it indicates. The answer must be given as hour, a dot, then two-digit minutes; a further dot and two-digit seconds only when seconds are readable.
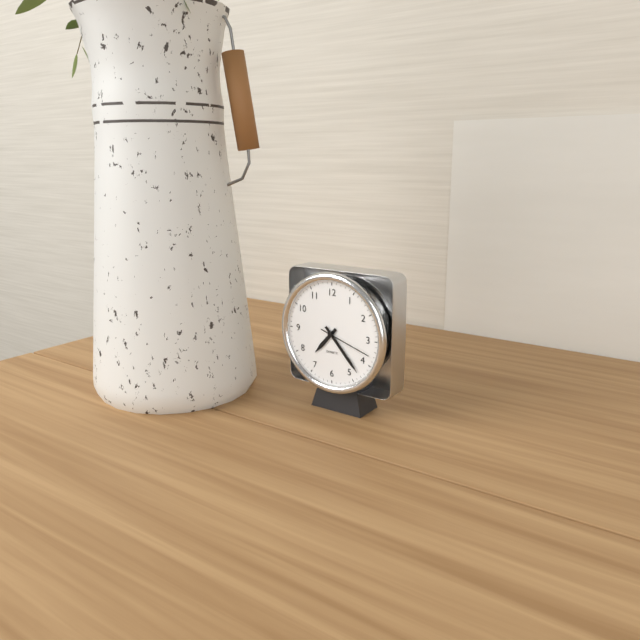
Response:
7.23.18
